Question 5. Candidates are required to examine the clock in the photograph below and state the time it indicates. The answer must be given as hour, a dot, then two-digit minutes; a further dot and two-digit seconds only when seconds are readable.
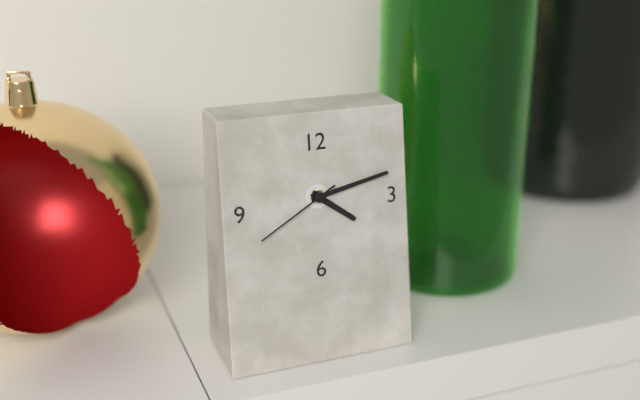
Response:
4.13.40
